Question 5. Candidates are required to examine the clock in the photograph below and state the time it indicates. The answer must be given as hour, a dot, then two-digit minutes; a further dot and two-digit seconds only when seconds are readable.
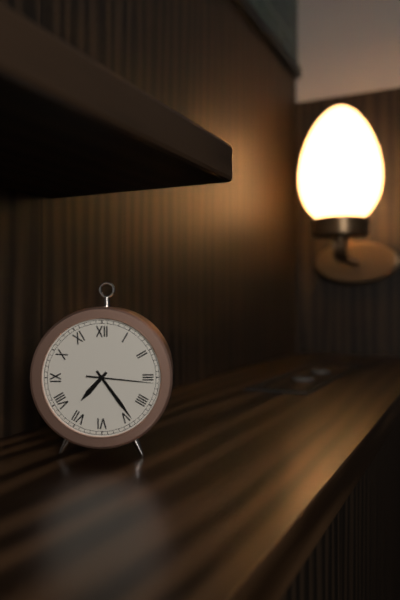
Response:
7.24.16
